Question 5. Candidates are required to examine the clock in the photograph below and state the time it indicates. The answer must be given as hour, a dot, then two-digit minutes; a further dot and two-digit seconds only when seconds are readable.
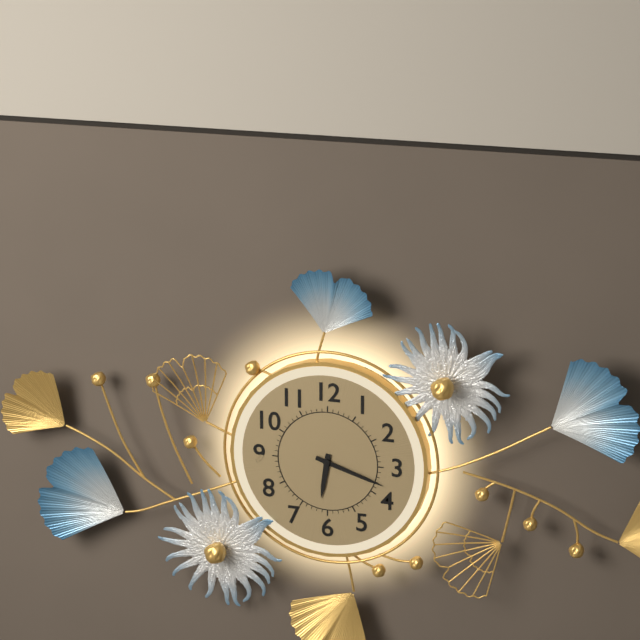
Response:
6.18
